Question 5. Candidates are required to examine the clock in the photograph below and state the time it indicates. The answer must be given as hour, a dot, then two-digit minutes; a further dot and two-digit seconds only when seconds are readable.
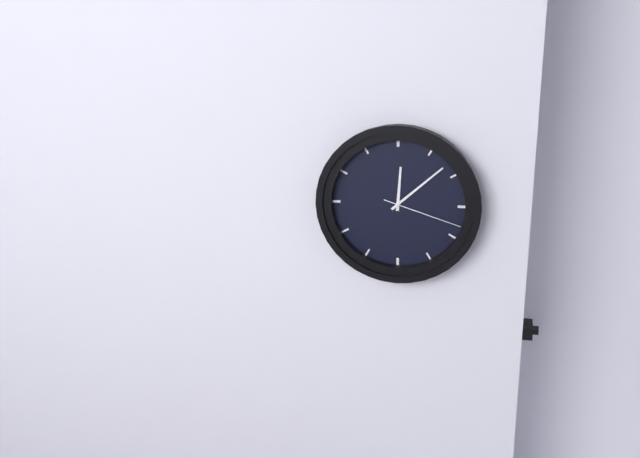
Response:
12.08.18
